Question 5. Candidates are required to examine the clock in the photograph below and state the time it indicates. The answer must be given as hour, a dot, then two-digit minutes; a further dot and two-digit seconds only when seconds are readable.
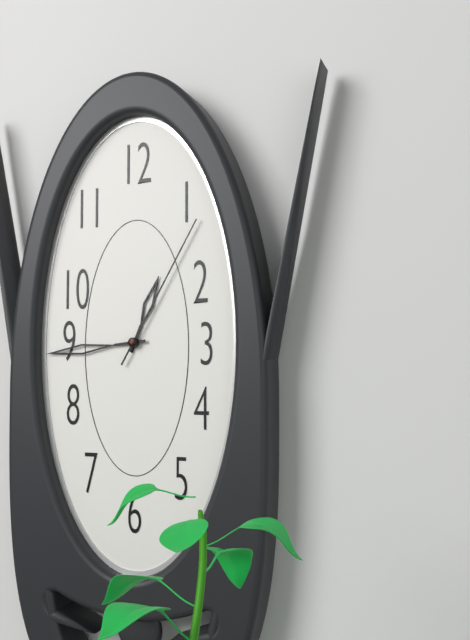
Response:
12.44.05
